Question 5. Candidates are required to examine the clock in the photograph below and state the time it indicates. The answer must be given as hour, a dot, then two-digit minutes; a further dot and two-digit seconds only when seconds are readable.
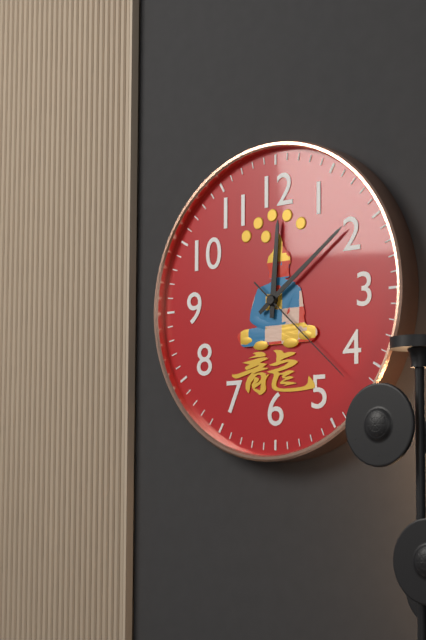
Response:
12.09.22
